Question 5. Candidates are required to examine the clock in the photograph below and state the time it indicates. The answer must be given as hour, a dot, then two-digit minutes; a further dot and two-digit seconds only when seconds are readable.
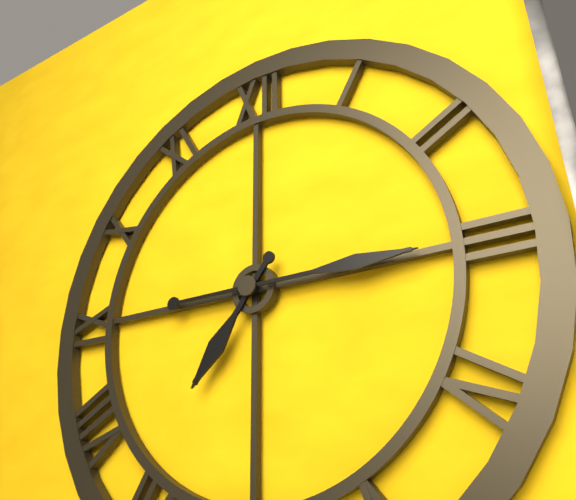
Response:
7.15
